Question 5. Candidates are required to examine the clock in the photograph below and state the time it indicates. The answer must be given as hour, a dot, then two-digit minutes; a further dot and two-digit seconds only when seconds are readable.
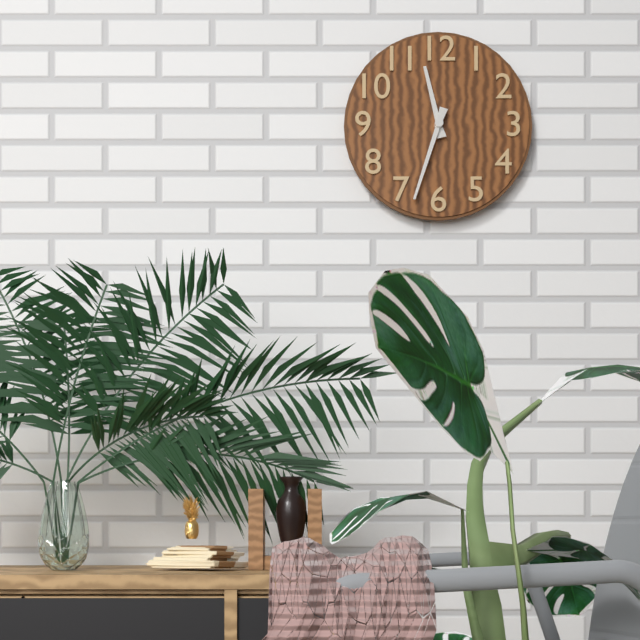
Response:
11.33
